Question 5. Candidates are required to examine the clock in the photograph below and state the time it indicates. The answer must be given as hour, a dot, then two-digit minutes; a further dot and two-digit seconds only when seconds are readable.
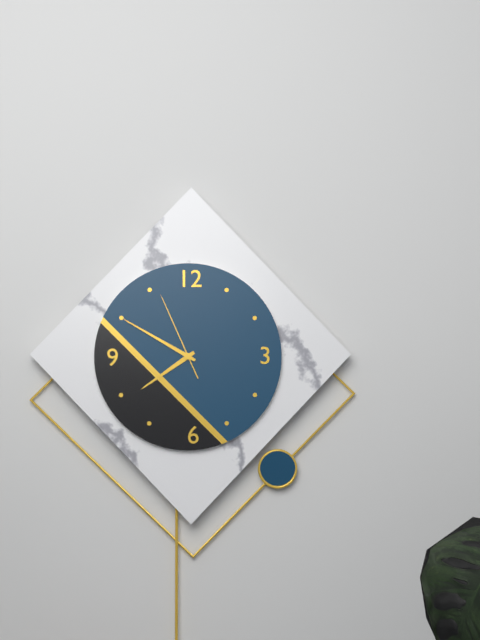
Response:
7.50.56
